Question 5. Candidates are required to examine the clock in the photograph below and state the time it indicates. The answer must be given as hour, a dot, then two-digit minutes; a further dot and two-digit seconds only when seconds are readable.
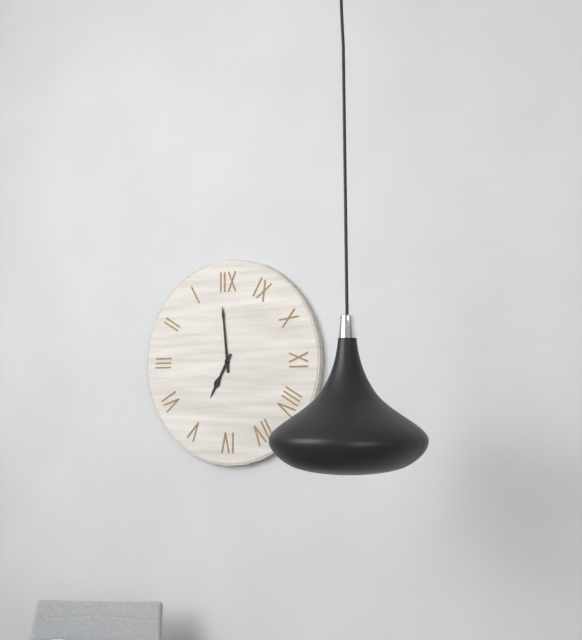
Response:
6.59
